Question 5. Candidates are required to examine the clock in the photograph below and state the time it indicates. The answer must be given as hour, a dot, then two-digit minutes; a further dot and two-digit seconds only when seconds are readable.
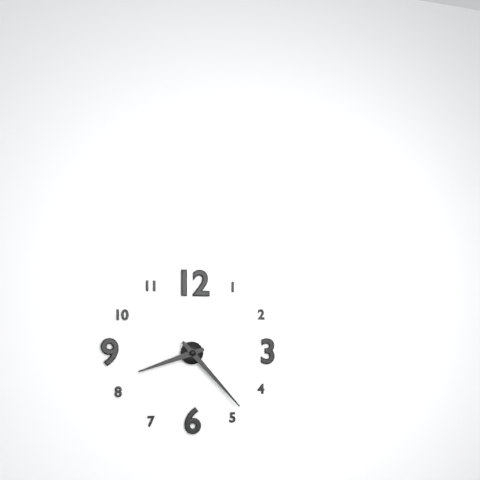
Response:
8.23
